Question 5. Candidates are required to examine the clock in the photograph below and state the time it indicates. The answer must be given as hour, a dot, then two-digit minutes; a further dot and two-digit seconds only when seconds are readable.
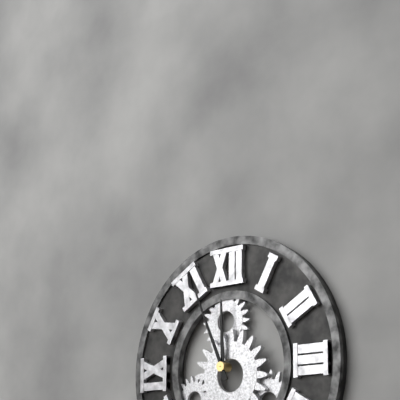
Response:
11.56
